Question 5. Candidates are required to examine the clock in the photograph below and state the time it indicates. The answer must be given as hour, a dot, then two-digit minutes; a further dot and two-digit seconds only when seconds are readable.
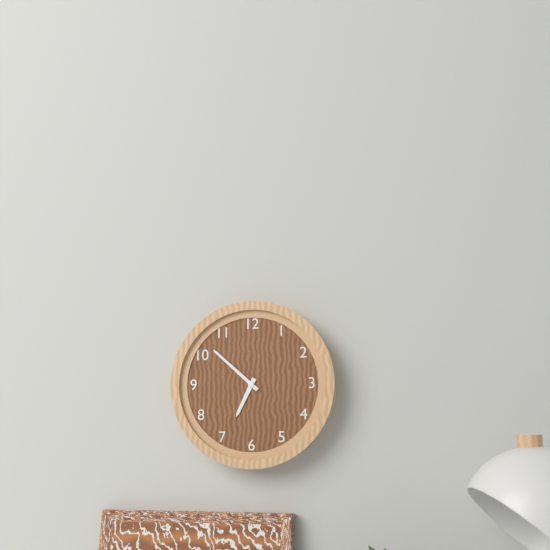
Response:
6.52
